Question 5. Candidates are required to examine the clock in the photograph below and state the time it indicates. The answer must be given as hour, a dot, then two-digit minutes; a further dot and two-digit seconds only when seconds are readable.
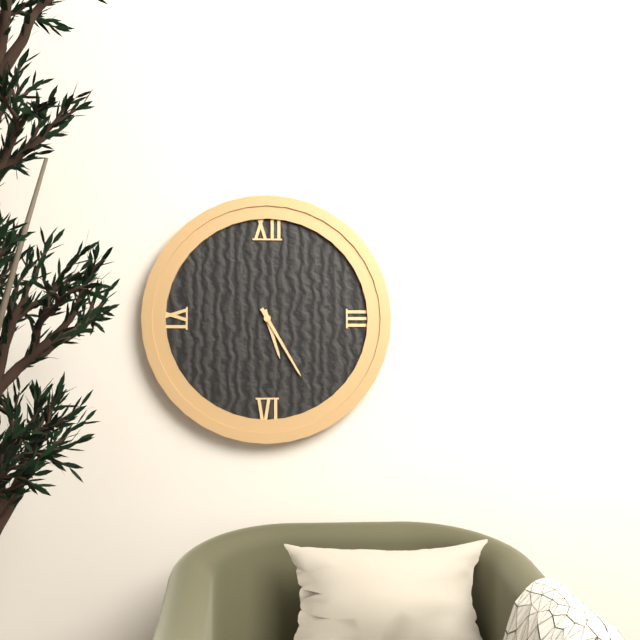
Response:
5.25
